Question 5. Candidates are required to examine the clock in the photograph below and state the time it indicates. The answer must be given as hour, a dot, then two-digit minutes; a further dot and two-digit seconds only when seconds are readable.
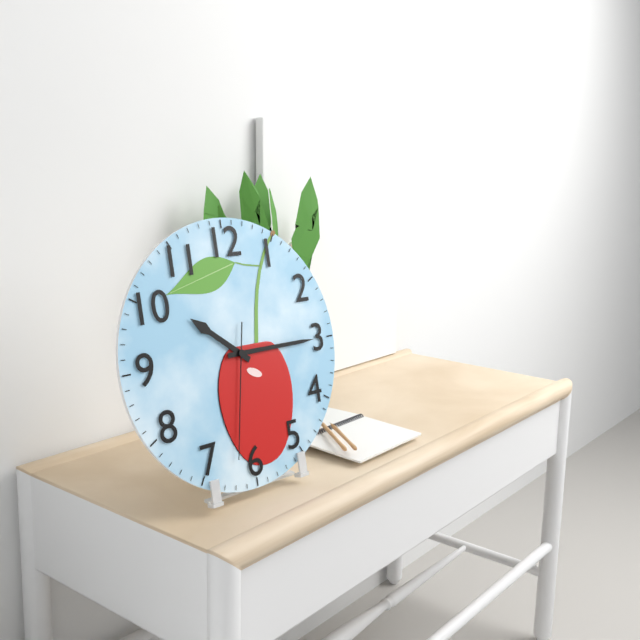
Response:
10.15.32
